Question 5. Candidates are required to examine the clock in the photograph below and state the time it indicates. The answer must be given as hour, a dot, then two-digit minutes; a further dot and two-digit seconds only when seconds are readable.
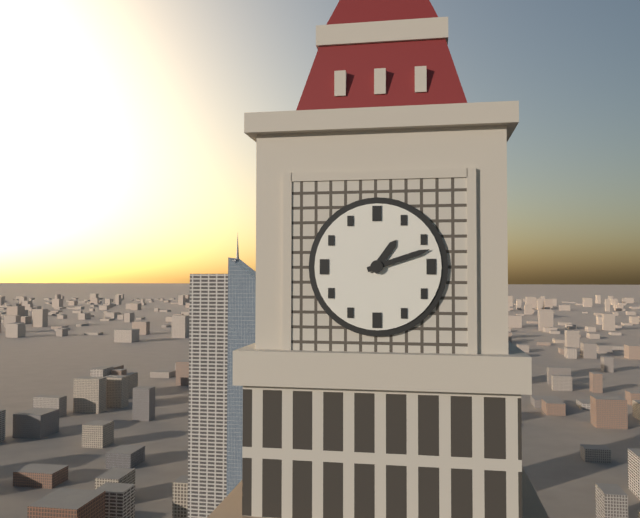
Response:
1.12
